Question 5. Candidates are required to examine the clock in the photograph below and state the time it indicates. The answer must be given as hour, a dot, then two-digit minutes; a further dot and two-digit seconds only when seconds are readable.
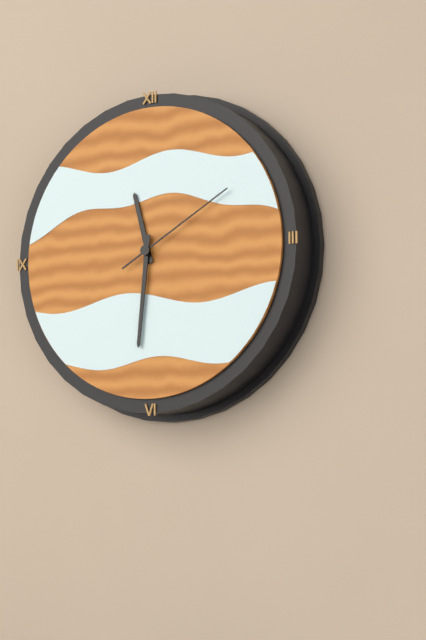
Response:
11.31.10
